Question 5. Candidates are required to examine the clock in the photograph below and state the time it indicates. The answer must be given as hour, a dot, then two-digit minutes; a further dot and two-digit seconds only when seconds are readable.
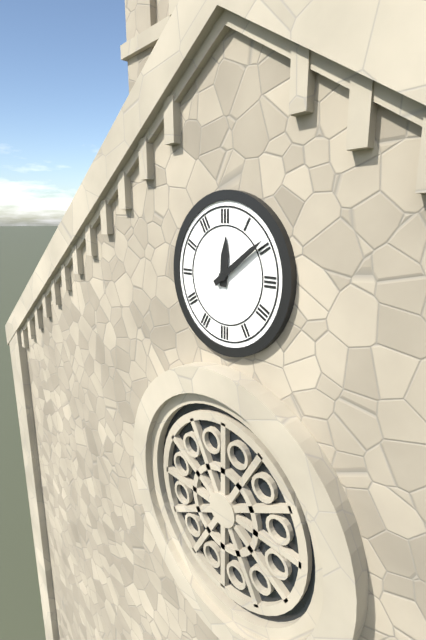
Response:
12.09
